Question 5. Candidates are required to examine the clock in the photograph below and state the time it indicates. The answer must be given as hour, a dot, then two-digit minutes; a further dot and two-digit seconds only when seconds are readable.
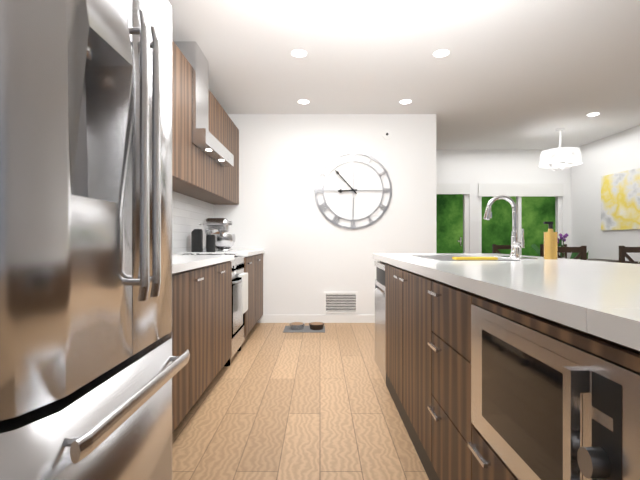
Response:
8.53
